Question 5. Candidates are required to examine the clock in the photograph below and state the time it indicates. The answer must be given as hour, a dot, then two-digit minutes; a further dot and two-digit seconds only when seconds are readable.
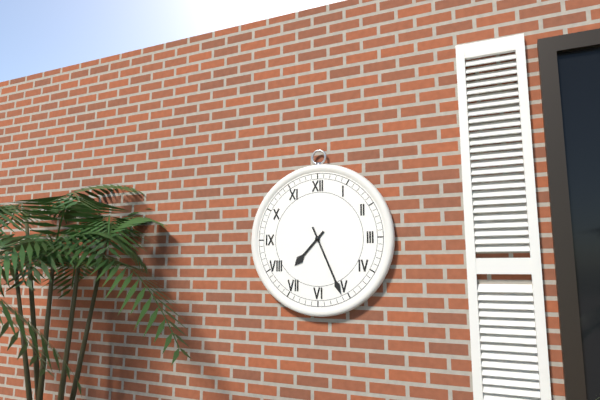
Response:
7.26
